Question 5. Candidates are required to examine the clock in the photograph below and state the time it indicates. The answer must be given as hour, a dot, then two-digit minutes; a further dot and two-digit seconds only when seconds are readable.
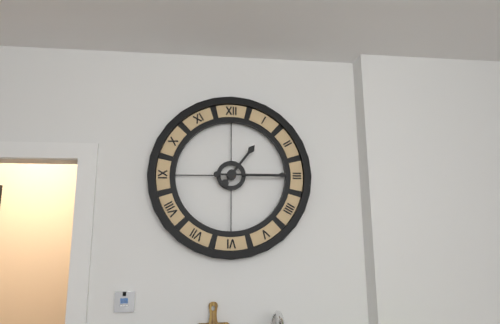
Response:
1.15
